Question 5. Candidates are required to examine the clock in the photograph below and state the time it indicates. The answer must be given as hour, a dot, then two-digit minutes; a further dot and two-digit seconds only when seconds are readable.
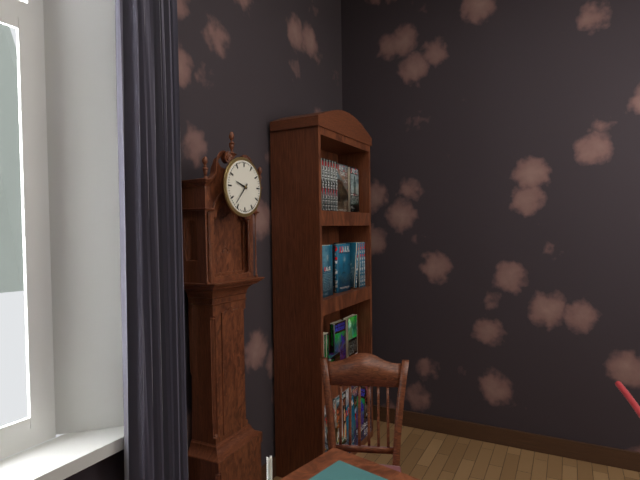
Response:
9.37
